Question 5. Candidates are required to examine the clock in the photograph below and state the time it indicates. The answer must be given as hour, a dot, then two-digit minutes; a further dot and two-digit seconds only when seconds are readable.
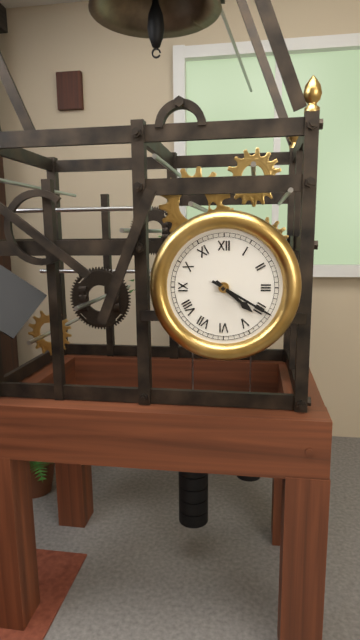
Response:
4.20
